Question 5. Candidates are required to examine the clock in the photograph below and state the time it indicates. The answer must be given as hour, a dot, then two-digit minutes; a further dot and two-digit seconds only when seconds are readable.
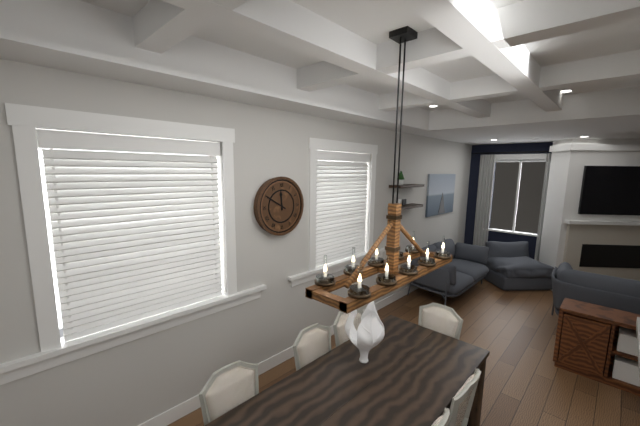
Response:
11.50
